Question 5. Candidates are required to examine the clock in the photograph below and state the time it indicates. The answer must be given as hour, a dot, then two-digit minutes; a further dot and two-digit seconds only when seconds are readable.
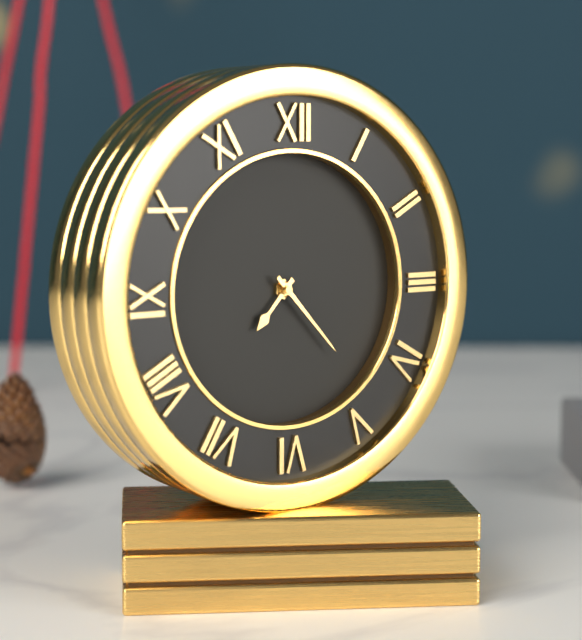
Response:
7.23
